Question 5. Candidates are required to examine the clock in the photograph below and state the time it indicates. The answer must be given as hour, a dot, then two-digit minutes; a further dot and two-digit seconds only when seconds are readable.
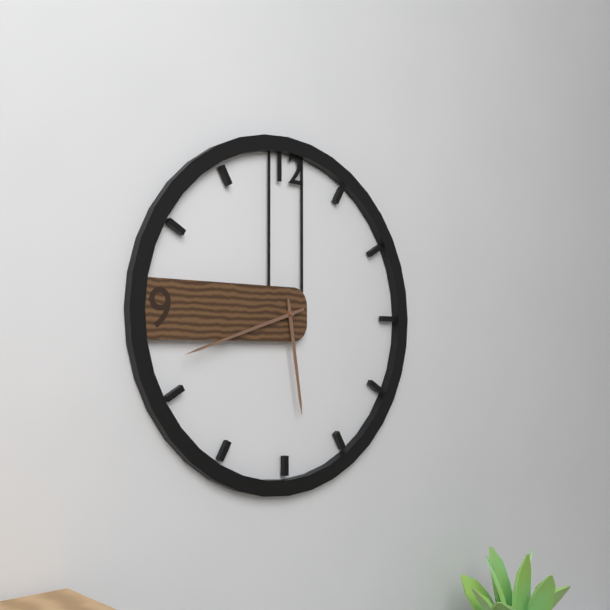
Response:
5.42
